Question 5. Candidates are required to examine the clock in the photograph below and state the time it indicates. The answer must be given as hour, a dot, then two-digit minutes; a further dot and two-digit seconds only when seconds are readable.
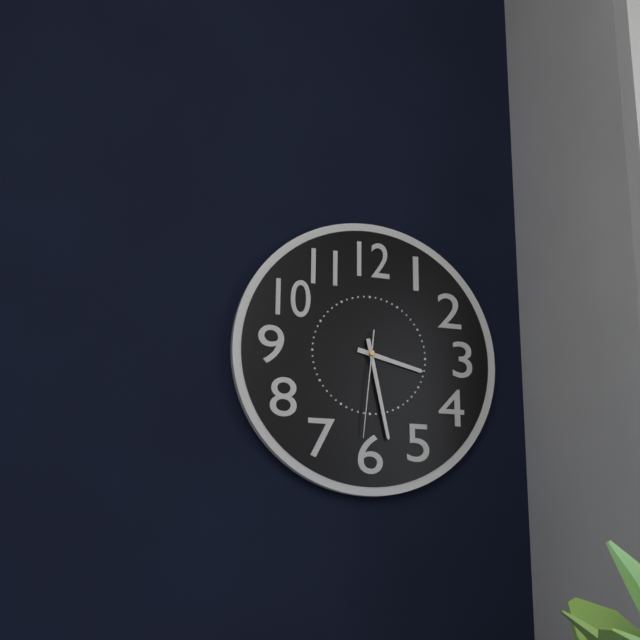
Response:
3.28.31
